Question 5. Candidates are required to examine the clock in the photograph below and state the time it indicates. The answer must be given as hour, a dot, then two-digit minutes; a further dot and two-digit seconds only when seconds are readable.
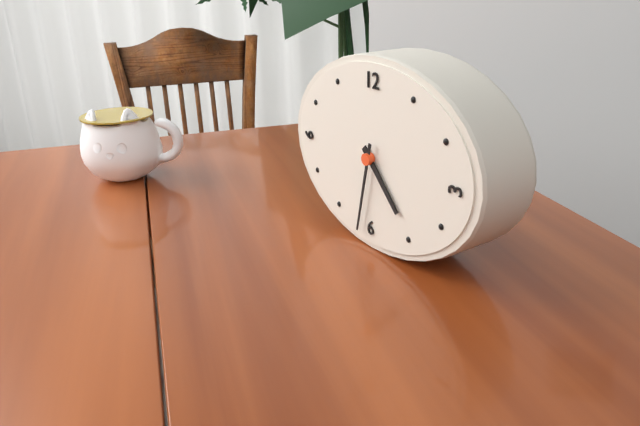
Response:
4.32
